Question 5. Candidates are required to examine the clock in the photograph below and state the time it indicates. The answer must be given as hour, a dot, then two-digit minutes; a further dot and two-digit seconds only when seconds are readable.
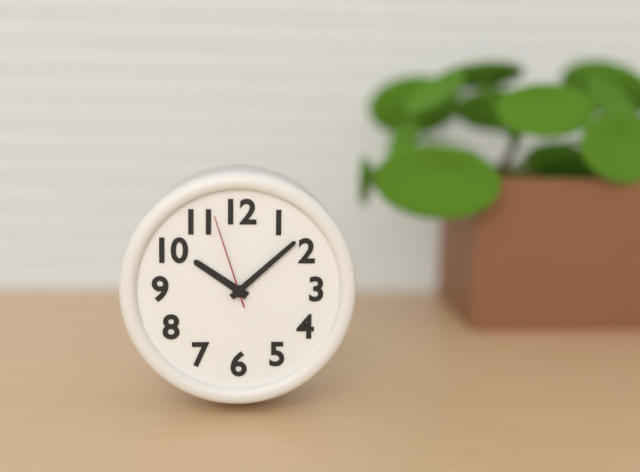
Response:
10.08.57
